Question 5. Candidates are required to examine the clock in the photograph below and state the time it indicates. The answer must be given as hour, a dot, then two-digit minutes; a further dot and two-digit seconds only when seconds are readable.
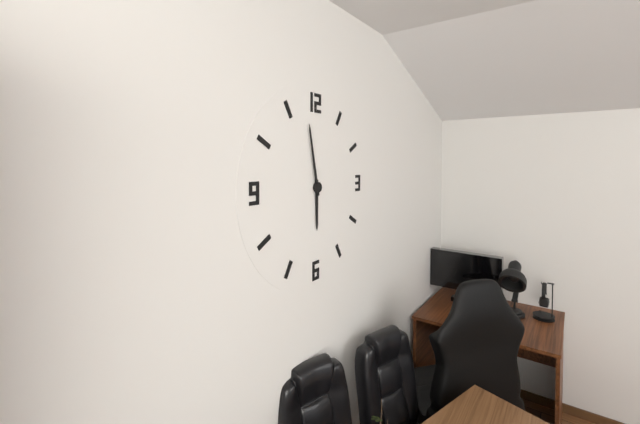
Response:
5.58
